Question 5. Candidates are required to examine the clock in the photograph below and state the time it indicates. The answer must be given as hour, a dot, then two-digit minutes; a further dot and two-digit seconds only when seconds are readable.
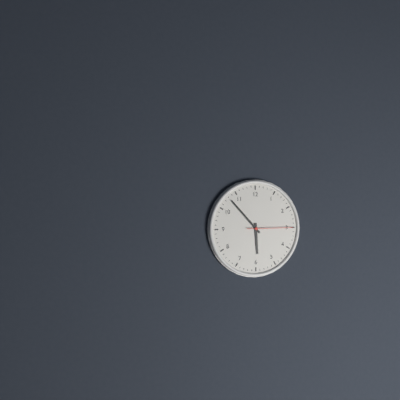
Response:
5.53
